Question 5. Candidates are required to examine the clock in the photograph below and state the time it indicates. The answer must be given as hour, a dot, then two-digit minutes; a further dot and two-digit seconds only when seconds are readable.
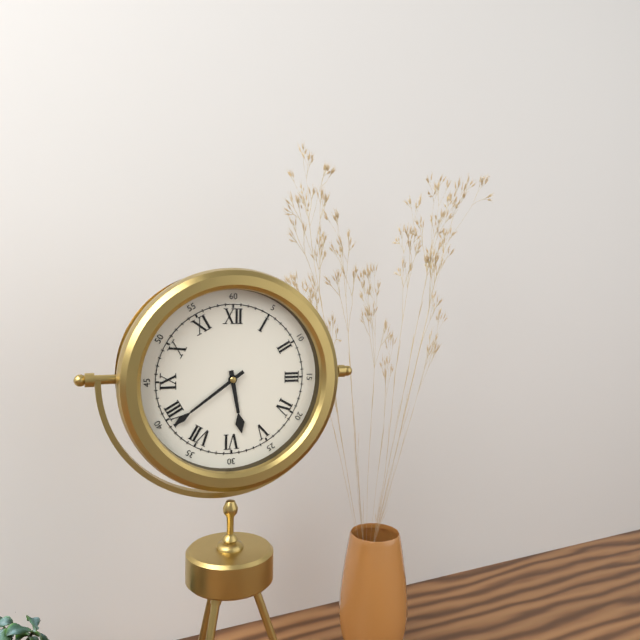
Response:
5.39
